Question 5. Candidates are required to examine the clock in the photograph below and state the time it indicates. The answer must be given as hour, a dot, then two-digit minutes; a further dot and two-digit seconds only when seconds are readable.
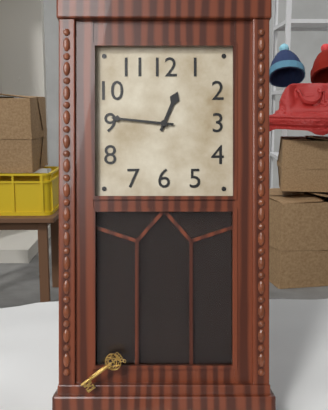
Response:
12.46
